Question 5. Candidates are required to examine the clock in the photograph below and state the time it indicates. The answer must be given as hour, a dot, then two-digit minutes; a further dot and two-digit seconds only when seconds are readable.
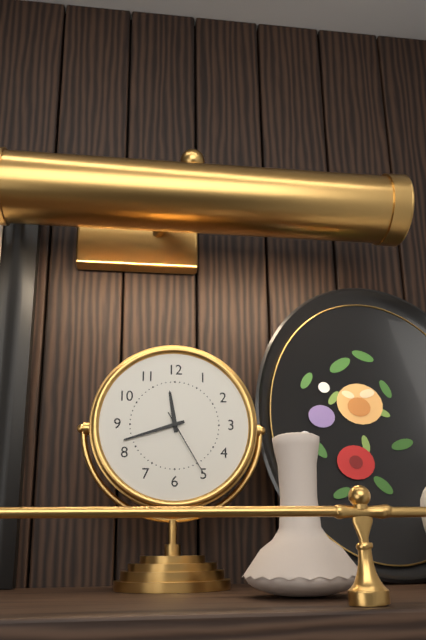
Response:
11.42.25
